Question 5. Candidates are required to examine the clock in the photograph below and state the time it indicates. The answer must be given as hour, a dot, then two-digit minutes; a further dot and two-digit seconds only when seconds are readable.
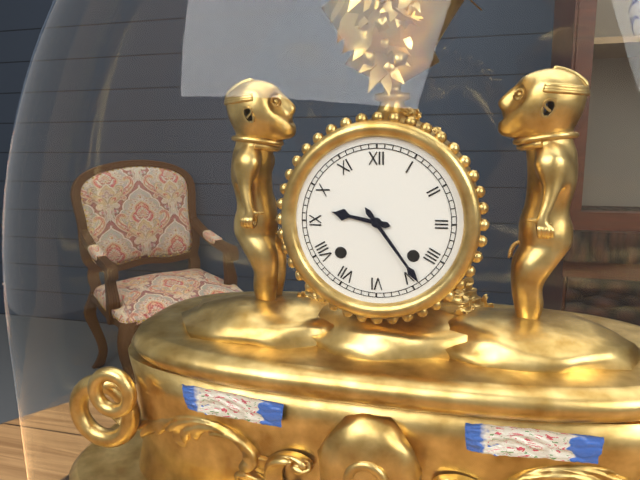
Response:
9.24
